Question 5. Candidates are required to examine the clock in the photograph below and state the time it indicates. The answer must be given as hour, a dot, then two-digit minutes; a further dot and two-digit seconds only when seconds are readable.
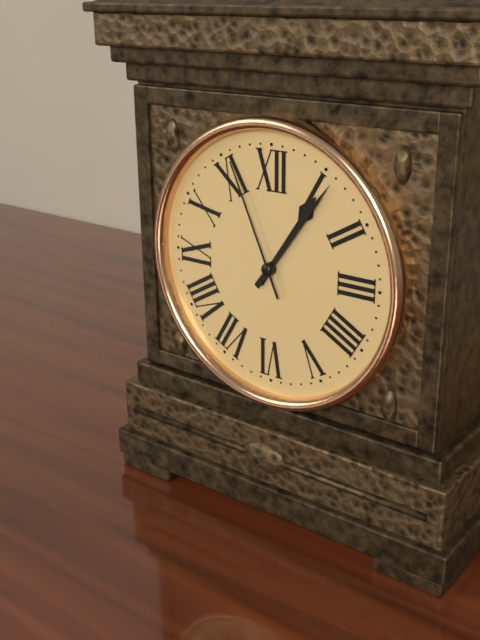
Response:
1.06.56
